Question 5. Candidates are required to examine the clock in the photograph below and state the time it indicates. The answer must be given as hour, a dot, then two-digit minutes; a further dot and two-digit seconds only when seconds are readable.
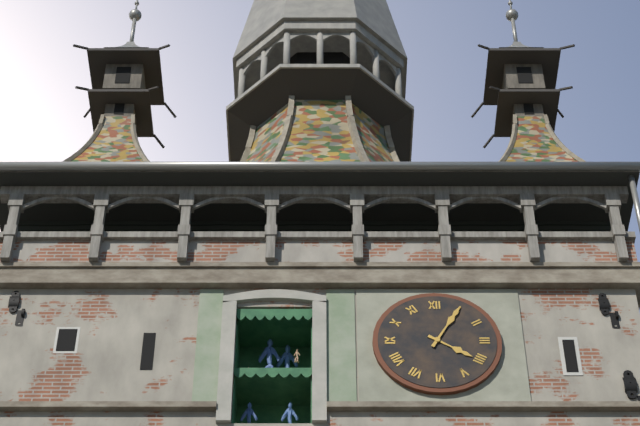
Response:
4.05
